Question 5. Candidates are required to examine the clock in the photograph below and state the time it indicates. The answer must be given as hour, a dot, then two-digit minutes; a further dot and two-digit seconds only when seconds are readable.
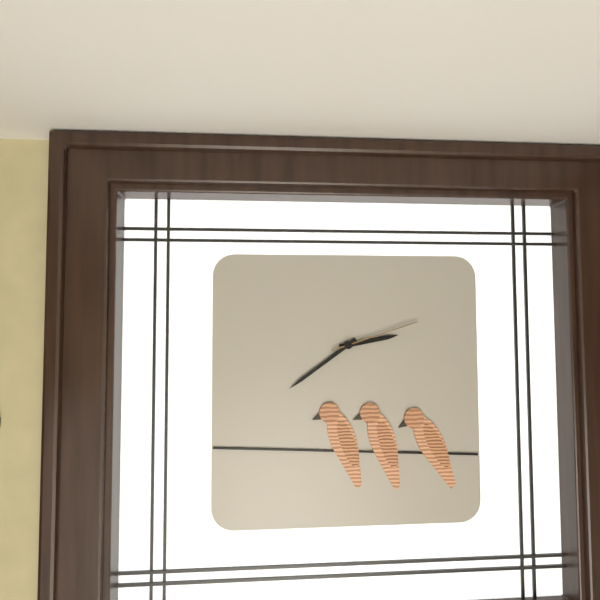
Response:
2.39.12
